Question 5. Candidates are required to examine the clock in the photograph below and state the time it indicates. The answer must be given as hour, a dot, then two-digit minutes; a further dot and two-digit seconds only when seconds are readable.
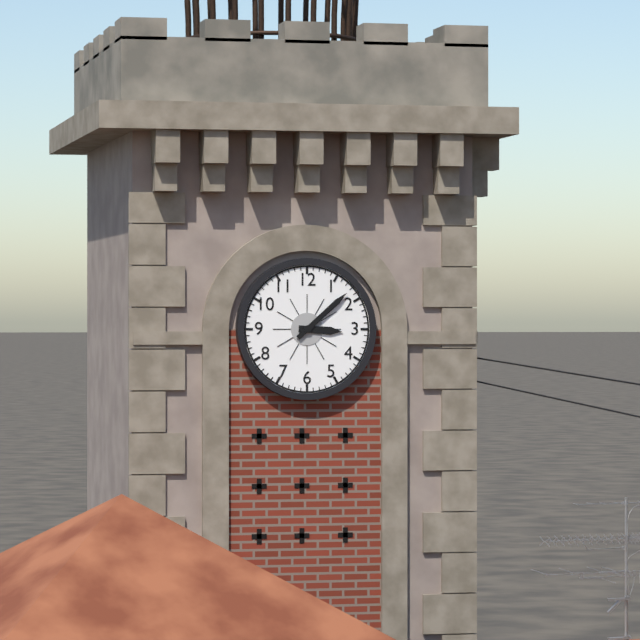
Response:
3.08
